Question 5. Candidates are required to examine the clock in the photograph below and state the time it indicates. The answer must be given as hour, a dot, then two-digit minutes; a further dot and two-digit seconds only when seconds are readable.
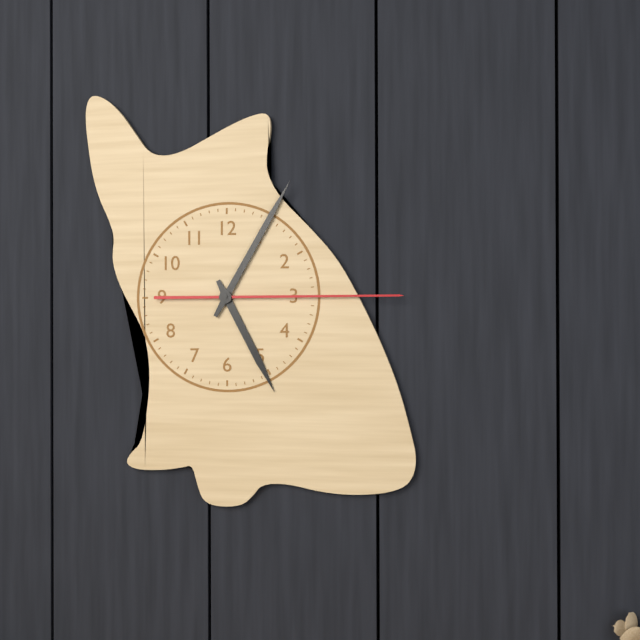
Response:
5.05.15
